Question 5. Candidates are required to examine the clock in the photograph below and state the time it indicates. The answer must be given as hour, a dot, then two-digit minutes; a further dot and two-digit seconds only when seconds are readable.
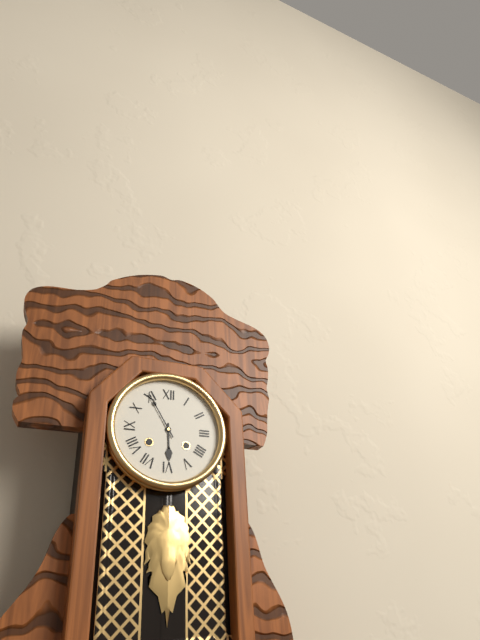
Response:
5.55
